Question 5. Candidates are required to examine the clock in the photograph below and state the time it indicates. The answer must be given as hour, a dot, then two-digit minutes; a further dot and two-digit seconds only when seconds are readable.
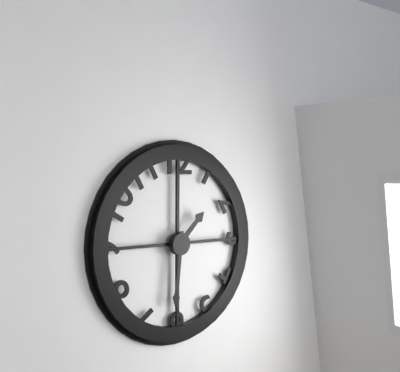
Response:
1.31
